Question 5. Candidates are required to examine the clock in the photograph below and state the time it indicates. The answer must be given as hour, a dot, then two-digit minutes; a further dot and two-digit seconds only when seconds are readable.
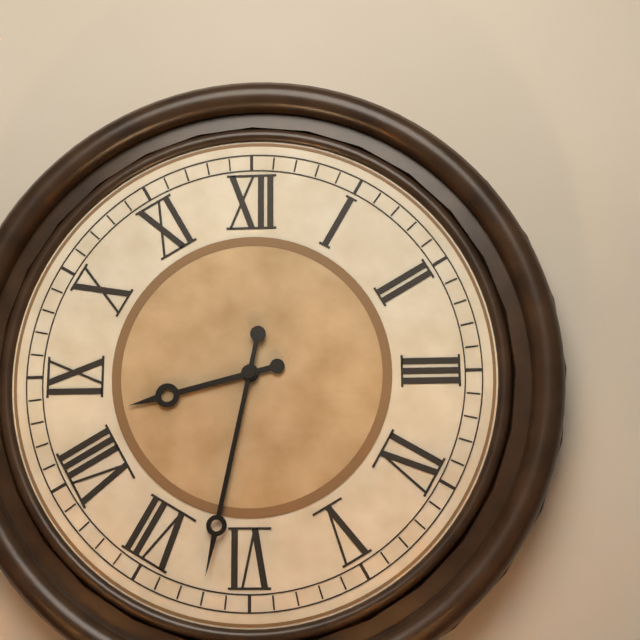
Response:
8.32
